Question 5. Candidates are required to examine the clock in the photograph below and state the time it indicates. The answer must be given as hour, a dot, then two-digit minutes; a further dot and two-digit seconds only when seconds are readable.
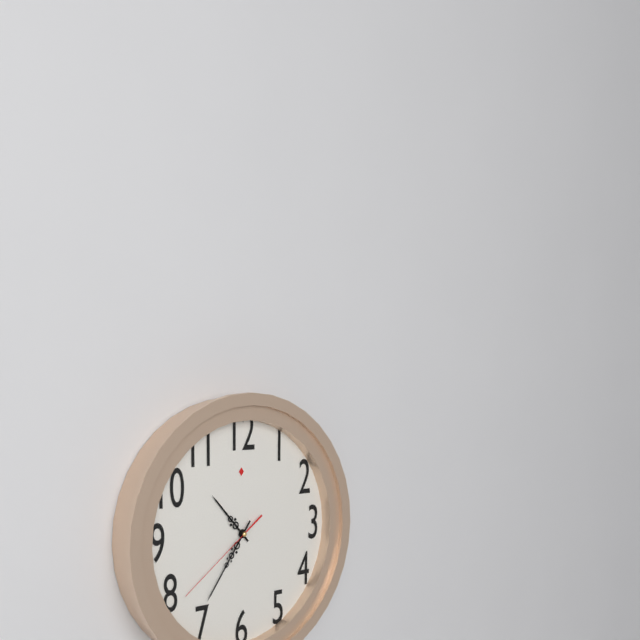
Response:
10.36.39
